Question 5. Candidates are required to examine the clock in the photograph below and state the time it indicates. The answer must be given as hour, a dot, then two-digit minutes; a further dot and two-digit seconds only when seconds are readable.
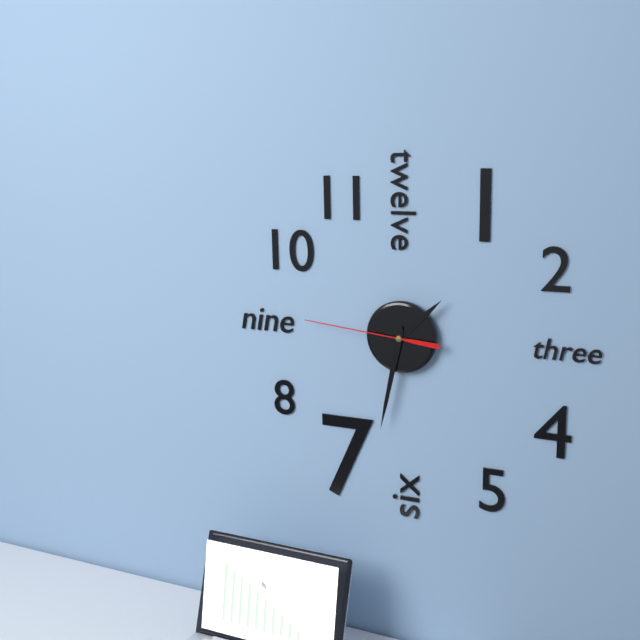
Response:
1.32.46
